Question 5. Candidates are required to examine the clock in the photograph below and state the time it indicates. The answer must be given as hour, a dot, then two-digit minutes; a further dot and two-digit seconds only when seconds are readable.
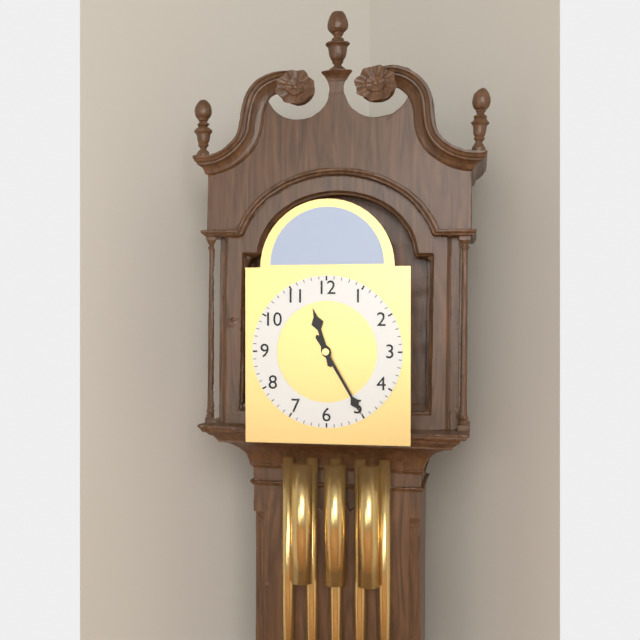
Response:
11.25
